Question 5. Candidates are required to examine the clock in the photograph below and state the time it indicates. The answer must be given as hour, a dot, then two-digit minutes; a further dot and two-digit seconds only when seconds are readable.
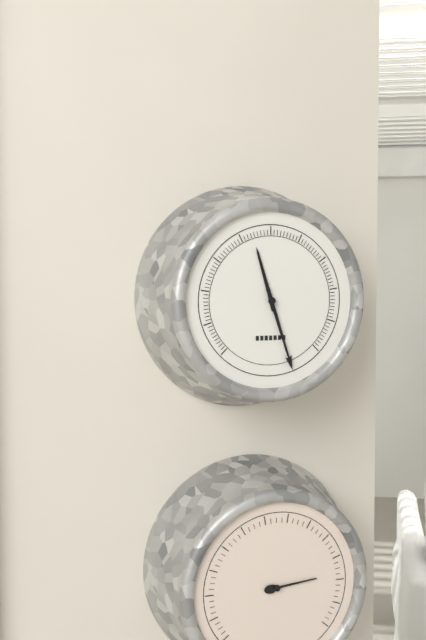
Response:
11.27
